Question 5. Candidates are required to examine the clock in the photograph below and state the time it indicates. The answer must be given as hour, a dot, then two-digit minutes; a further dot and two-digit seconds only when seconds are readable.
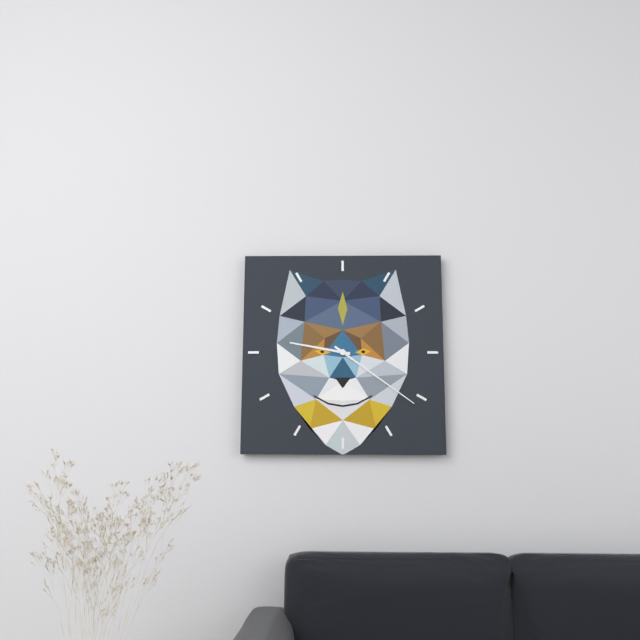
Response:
9.21
